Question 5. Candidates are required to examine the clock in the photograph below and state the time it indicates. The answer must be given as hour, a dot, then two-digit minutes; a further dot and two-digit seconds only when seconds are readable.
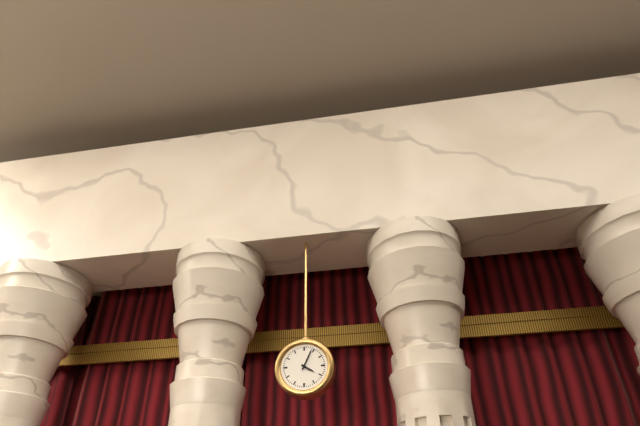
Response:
4.04
